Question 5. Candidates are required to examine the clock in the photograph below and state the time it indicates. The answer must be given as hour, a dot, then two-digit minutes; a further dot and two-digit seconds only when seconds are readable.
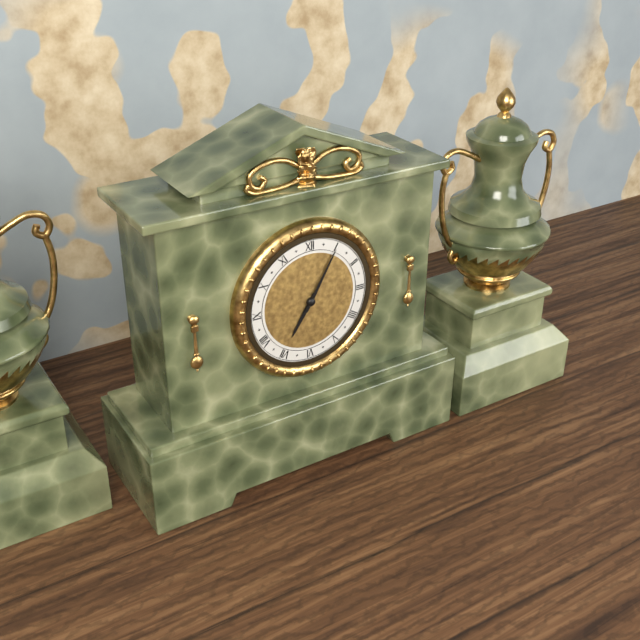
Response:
7.05
